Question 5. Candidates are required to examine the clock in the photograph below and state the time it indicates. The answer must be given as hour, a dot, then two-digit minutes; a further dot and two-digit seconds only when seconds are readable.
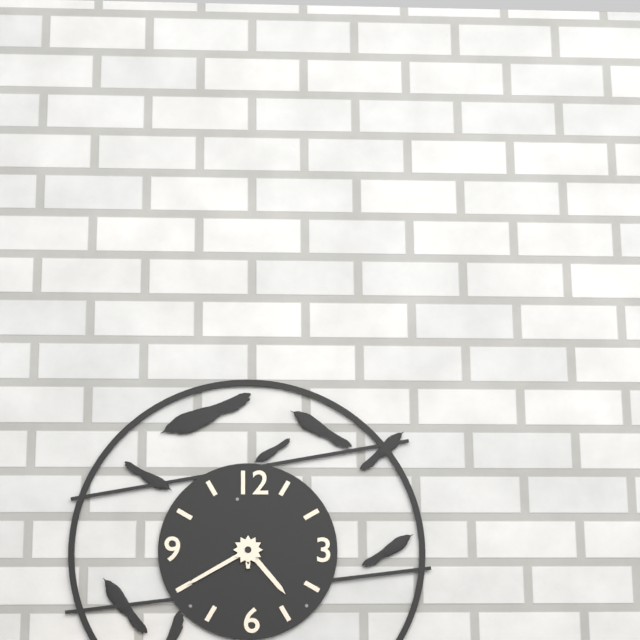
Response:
4.40
